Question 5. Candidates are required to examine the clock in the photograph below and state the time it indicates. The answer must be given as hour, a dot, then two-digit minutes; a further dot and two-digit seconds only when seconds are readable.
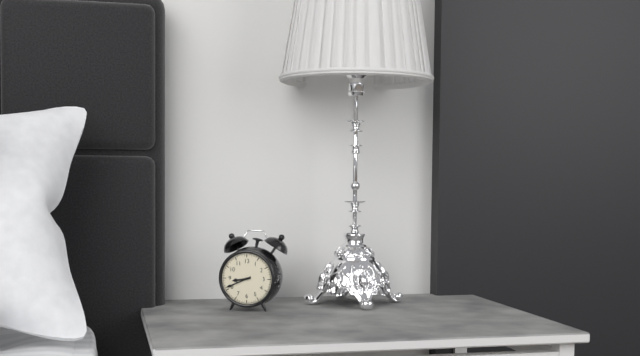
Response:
8.41
